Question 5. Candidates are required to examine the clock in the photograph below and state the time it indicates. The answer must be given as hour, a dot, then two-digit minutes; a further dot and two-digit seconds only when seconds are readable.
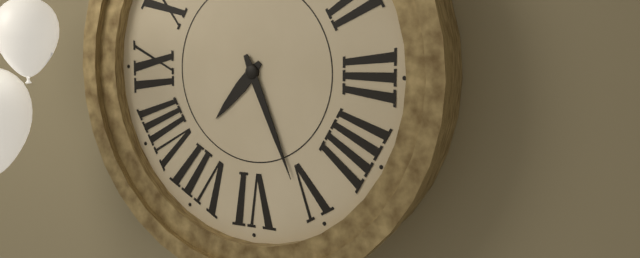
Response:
7.26
